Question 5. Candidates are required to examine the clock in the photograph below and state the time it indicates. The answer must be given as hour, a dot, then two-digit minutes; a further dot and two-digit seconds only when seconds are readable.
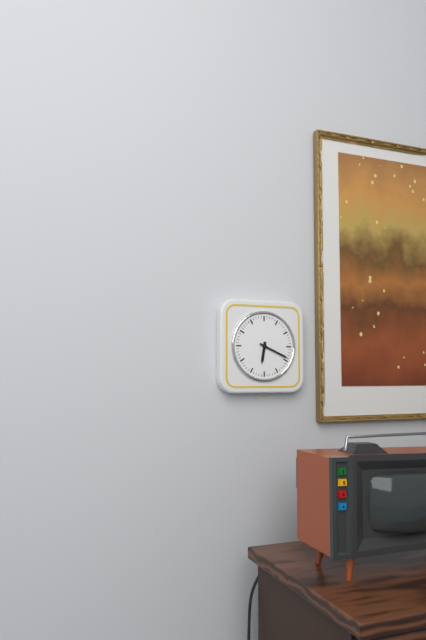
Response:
6.19
